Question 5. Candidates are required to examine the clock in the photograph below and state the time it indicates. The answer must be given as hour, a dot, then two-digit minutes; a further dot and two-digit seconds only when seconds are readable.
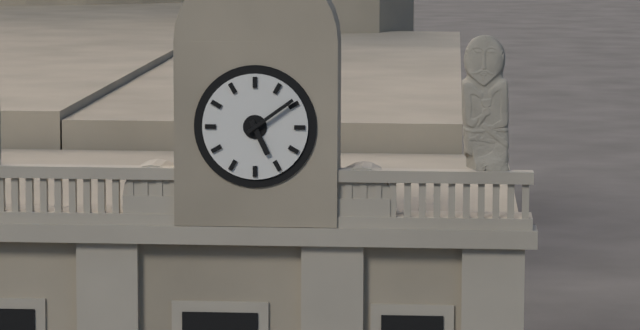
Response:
5.09
